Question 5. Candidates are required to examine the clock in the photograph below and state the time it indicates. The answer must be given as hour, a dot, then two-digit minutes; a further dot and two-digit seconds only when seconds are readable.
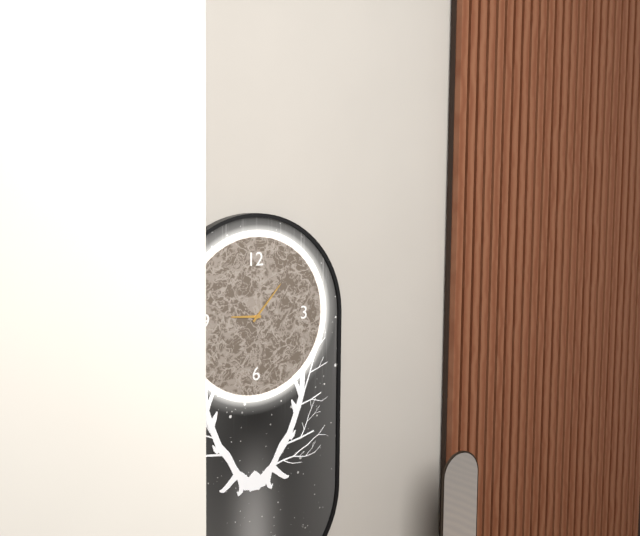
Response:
9.07
